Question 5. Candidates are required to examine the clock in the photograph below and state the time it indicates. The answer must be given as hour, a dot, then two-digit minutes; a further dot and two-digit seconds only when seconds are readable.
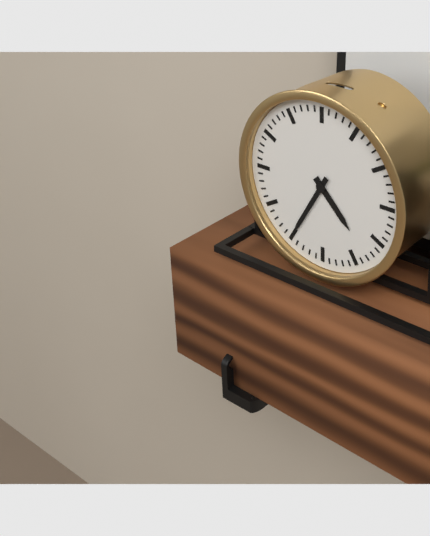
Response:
4.35
